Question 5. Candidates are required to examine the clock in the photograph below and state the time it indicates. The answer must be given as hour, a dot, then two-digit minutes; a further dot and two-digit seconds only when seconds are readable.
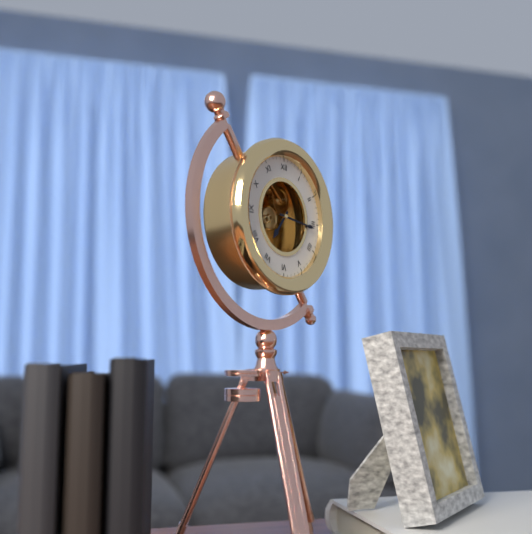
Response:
7.16
